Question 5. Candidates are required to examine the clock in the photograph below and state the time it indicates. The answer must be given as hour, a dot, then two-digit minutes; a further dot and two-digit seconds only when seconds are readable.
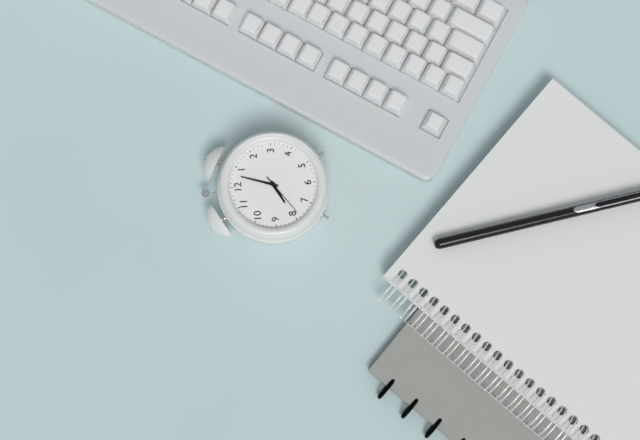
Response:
8.03
